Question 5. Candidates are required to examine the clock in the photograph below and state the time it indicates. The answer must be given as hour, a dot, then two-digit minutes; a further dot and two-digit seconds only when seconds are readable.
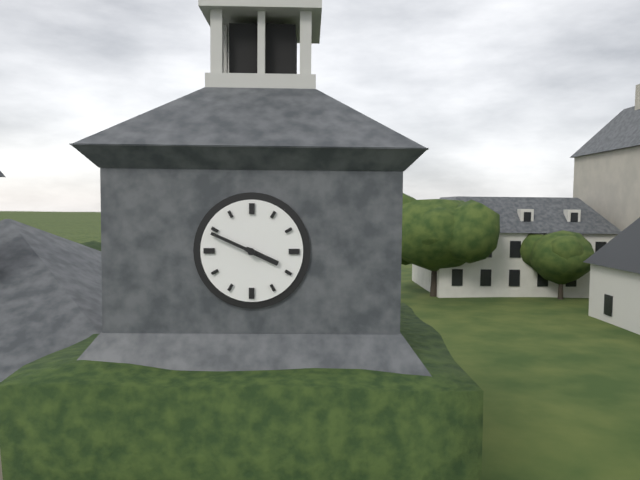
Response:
3.49
